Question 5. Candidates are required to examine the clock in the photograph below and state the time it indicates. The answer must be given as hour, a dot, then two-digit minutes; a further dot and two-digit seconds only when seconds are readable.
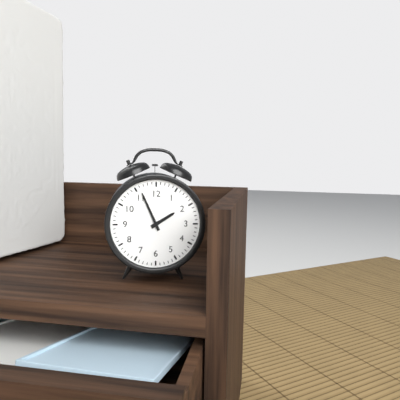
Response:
1.56
